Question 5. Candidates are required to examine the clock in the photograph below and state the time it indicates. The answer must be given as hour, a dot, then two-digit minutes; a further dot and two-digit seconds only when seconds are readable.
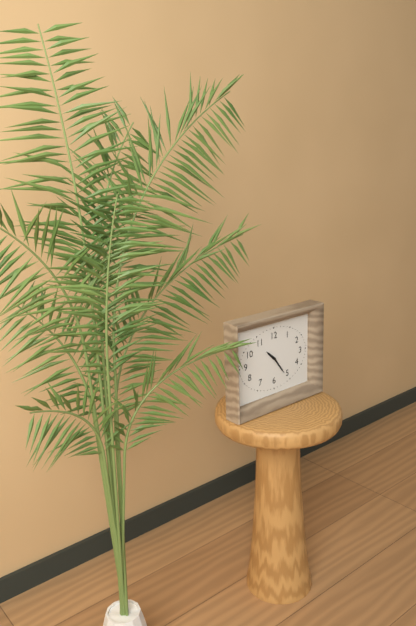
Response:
10.24
